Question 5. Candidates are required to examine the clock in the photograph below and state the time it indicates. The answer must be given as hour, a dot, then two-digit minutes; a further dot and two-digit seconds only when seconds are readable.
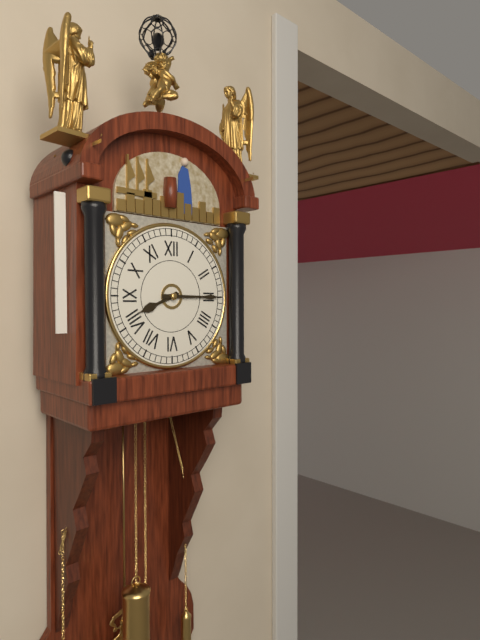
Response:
8.15
